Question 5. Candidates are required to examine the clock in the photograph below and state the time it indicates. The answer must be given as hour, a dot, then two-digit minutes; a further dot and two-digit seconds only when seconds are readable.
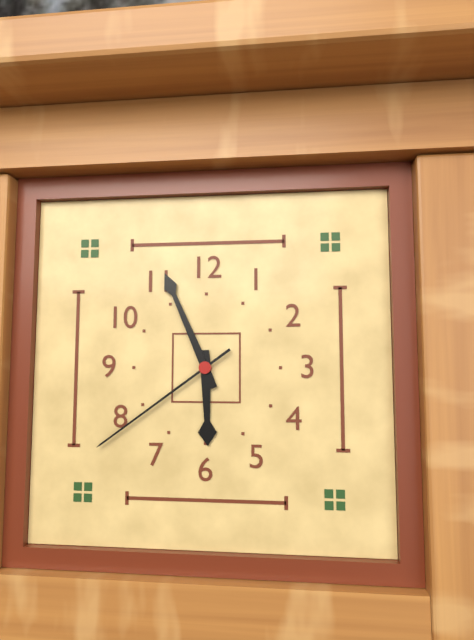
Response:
5.56.39
